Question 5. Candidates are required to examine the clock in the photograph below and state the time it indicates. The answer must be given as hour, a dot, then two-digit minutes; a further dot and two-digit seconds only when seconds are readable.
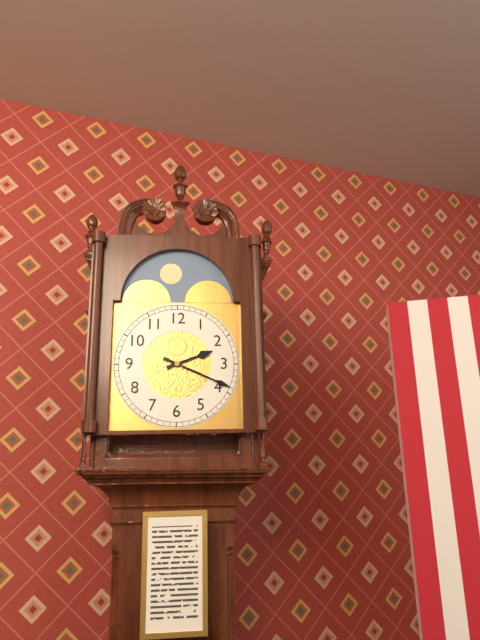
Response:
2.19
